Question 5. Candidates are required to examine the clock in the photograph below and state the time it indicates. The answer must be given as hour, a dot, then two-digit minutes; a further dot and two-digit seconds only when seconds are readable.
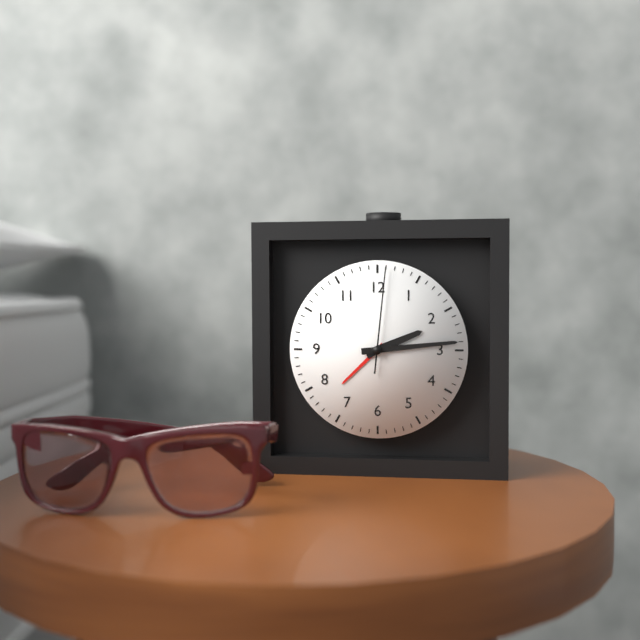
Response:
2.14.01
